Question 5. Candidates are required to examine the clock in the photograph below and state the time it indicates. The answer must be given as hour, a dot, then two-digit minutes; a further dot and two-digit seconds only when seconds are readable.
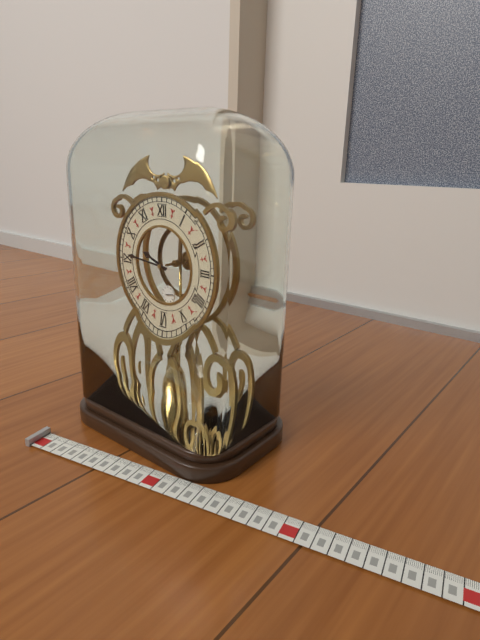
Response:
9.46
